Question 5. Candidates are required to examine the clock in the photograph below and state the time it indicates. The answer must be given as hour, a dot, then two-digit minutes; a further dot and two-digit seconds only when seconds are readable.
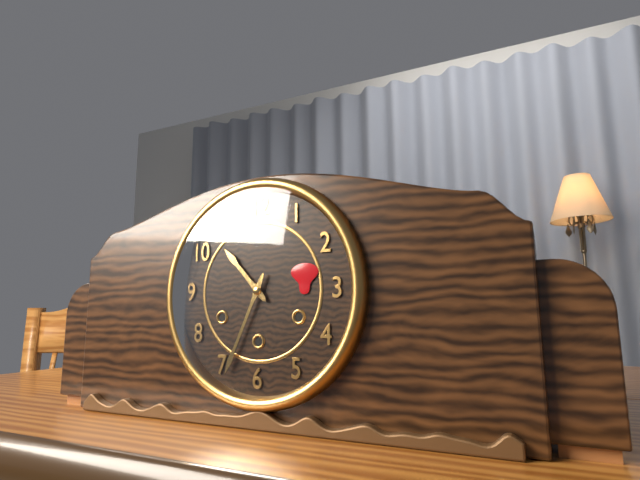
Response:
10.34
